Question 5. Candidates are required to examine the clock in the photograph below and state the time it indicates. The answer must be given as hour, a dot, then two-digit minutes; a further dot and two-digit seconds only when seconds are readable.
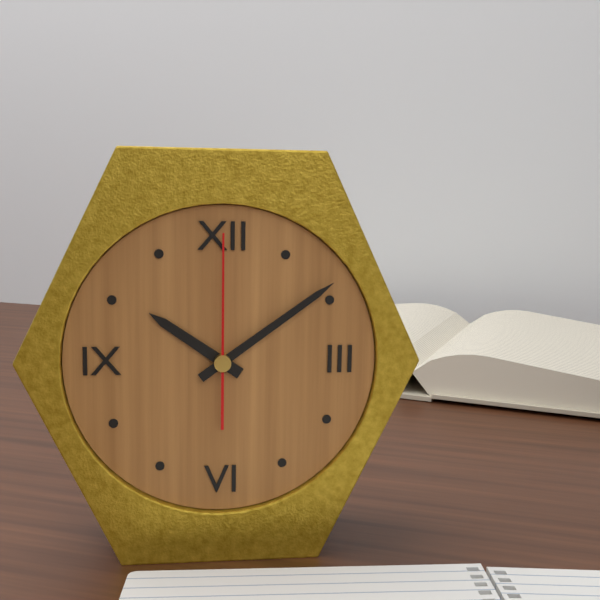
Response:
10.09.00
